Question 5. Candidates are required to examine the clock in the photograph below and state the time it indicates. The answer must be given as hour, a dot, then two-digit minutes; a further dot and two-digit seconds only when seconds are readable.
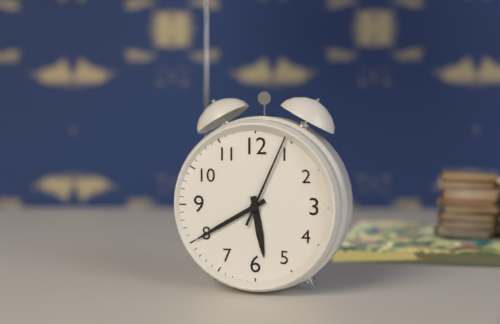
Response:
5.40.04
